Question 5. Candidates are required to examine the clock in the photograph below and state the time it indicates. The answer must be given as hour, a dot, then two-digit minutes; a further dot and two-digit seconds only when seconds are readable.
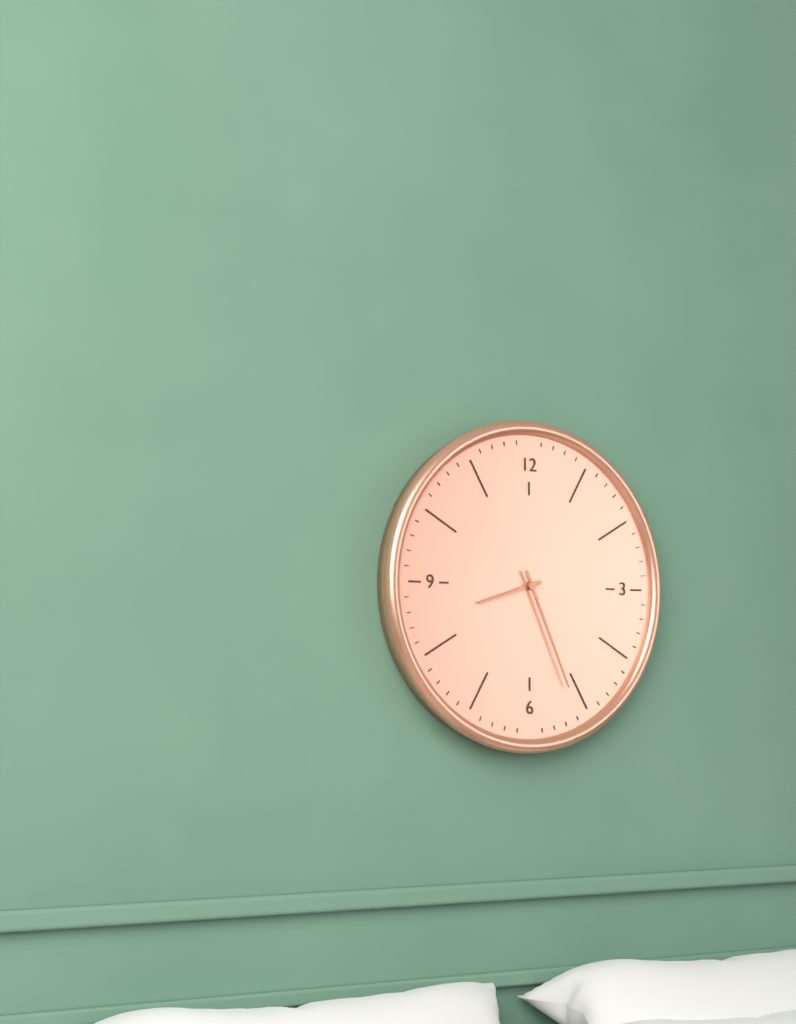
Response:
8.26
